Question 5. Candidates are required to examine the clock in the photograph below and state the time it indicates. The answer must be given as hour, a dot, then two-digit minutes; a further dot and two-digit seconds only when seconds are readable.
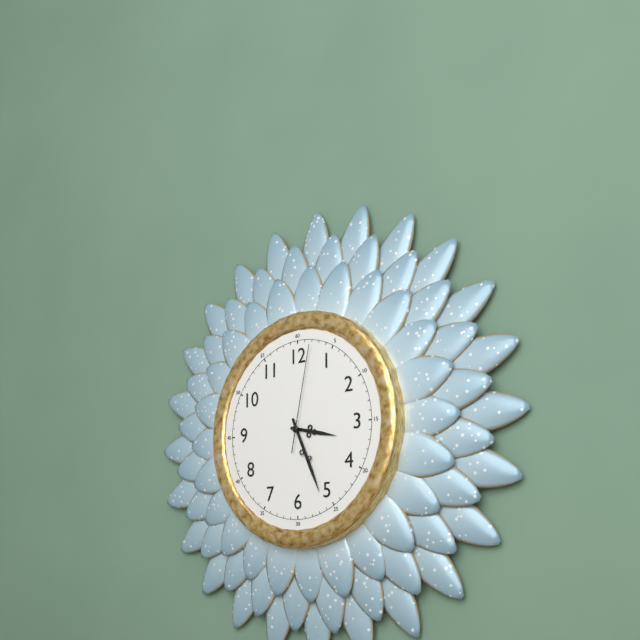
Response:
3.26.02
